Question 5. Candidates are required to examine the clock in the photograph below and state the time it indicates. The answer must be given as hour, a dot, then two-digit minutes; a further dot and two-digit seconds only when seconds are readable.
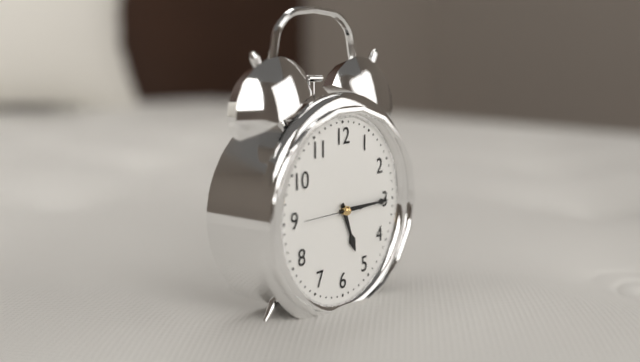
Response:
5.15
